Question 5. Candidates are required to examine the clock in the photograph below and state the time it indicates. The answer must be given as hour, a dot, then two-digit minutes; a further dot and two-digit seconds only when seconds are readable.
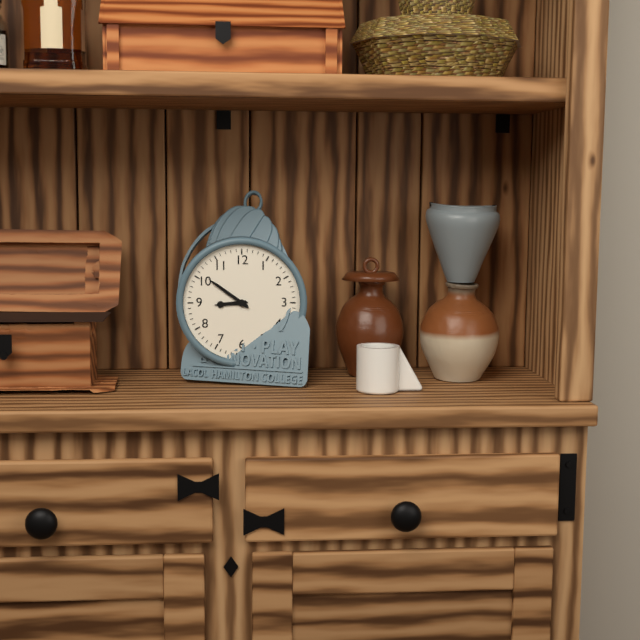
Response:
8.51
